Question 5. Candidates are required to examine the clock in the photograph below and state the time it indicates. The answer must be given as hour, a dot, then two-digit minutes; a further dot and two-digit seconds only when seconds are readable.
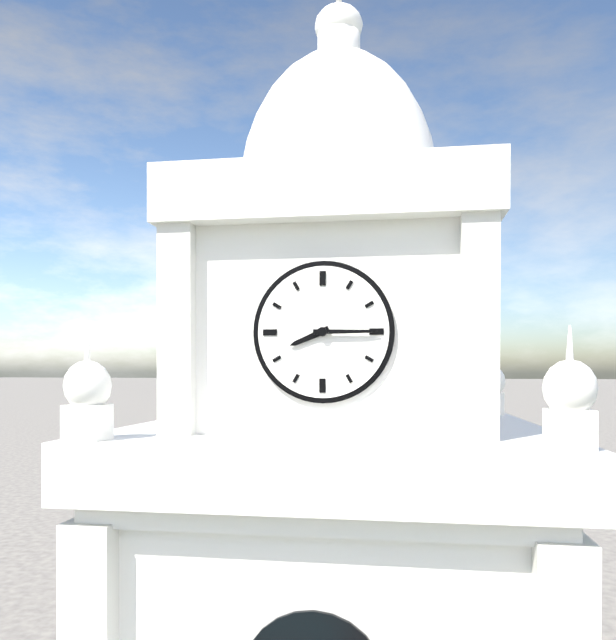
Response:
8.15
